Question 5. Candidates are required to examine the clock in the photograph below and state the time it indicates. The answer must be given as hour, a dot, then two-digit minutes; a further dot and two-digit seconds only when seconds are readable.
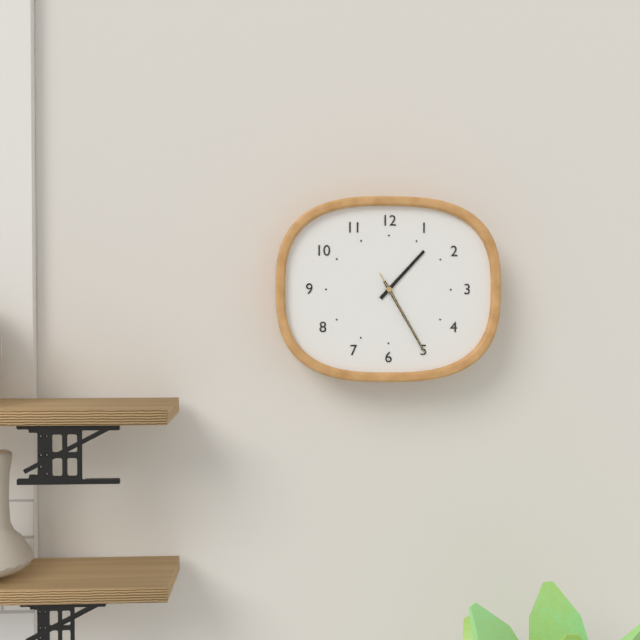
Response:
1.25.25
